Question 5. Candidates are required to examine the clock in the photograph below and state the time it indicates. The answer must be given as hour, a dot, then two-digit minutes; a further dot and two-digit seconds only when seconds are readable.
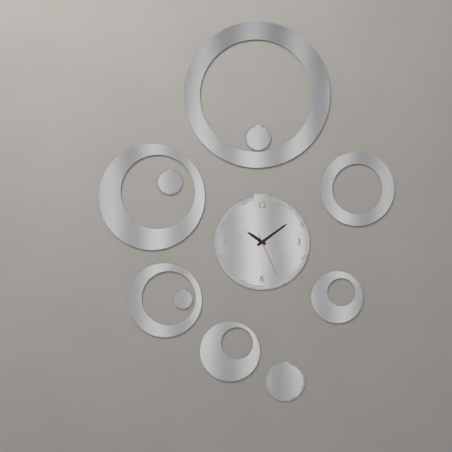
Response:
10.09
